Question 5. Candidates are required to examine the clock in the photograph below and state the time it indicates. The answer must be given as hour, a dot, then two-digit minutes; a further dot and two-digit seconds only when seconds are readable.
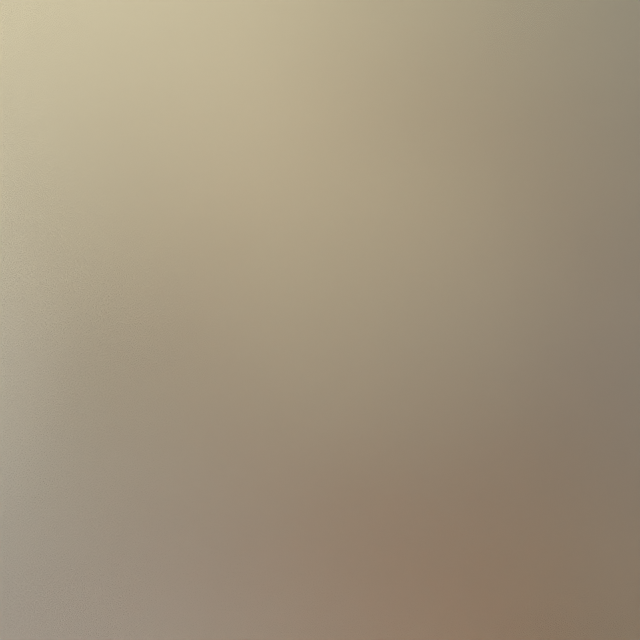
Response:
5.25
